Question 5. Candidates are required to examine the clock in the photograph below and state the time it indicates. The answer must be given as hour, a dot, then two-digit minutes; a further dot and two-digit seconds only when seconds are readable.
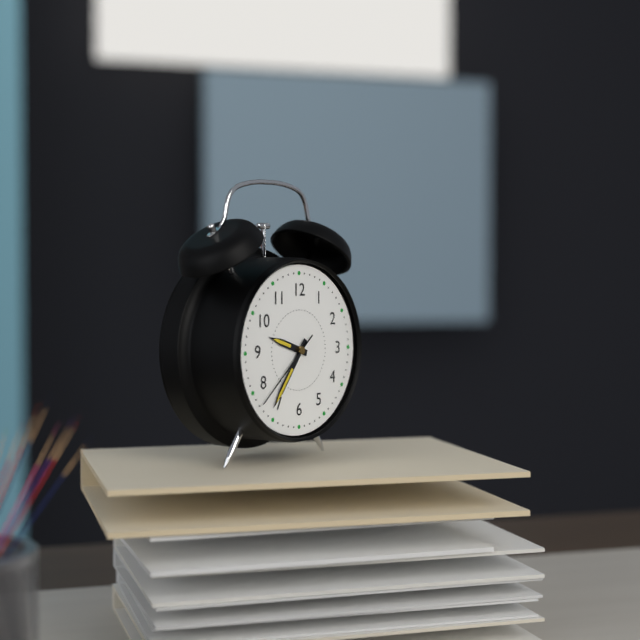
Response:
9.36.38
